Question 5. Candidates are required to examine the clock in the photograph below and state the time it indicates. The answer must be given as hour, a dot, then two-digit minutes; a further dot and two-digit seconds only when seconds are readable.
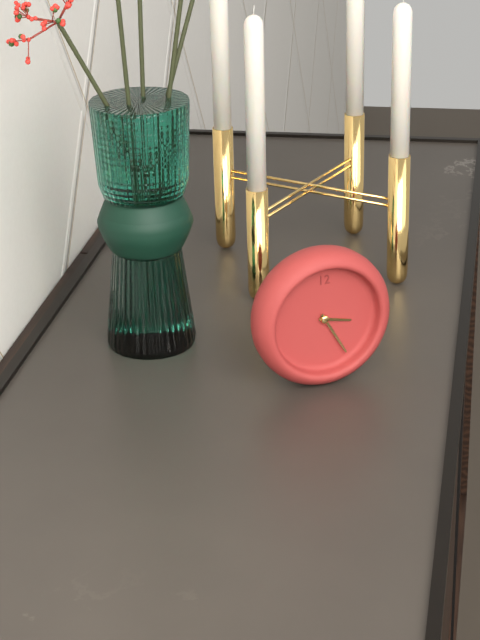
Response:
3.25
